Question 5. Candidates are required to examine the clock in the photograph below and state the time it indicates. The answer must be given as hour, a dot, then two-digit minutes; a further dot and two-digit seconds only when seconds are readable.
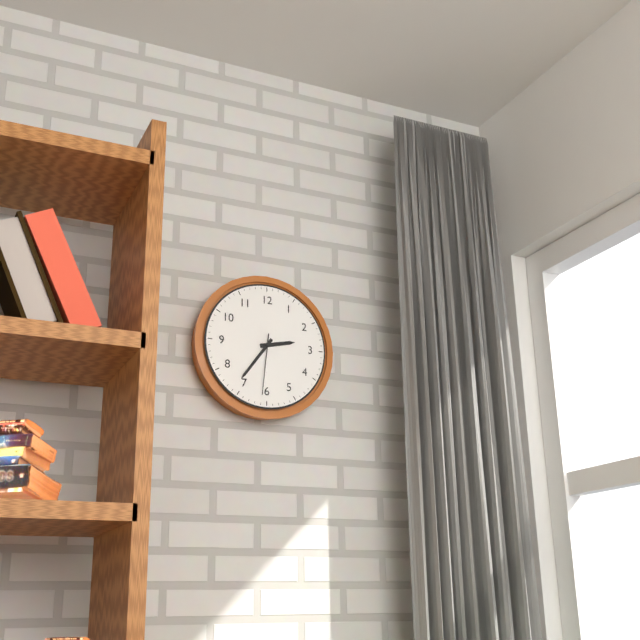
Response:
2.36.31
